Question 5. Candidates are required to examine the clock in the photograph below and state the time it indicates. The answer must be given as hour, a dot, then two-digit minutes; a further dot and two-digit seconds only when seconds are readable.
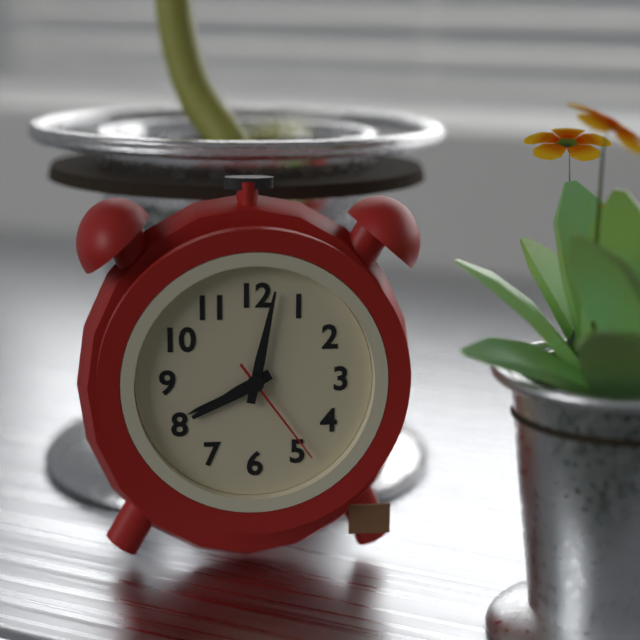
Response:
8.02.24
